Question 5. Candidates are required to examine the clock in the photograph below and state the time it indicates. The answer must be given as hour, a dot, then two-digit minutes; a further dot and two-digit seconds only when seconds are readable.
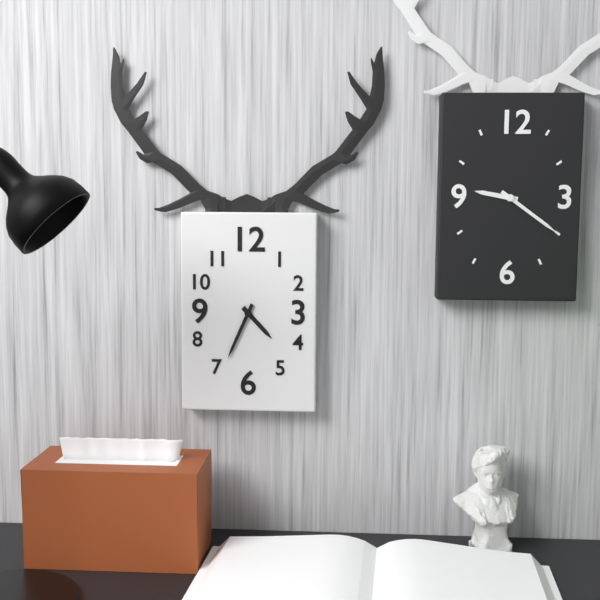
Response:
4.34
